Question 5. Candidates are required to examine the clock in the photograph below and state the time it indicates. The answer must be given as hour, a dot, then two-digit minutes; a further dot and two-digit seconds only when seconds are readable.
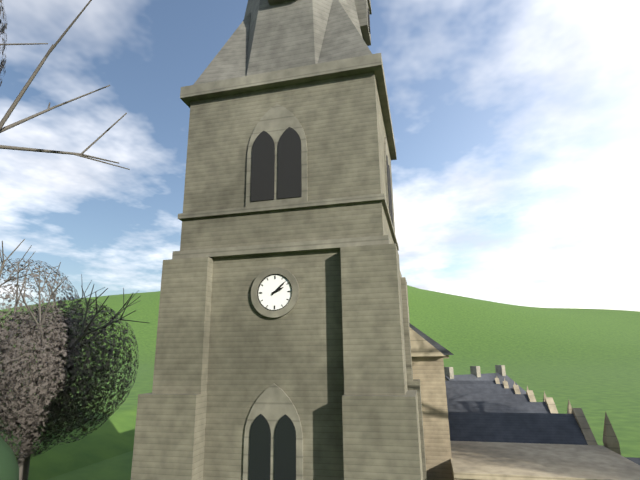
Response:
2.08
